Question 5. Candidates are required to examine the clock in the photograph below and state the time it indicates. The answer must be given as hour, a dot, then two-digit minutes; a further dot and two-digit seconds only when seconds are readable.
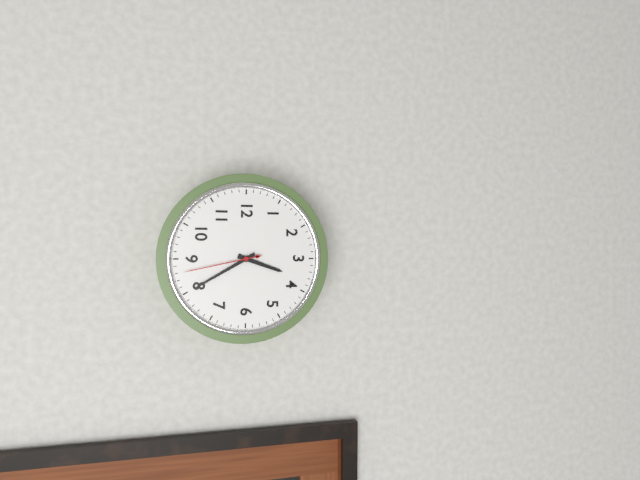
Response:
3.40.43
